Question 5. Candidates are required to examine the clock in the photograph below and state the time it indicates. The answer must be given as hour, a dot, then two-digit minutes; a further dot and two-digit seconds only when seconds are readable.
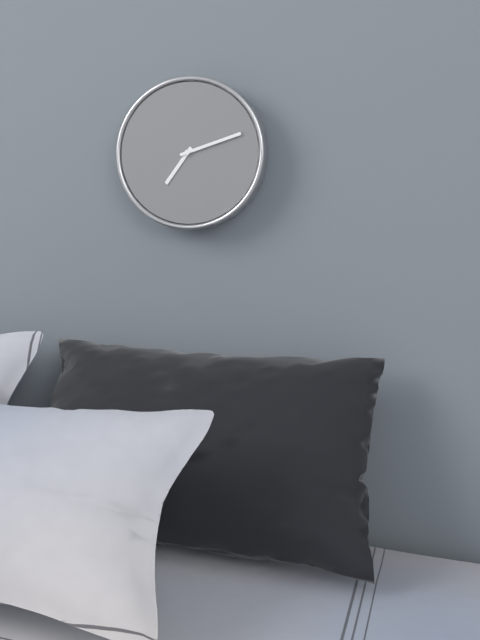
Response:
7.12
